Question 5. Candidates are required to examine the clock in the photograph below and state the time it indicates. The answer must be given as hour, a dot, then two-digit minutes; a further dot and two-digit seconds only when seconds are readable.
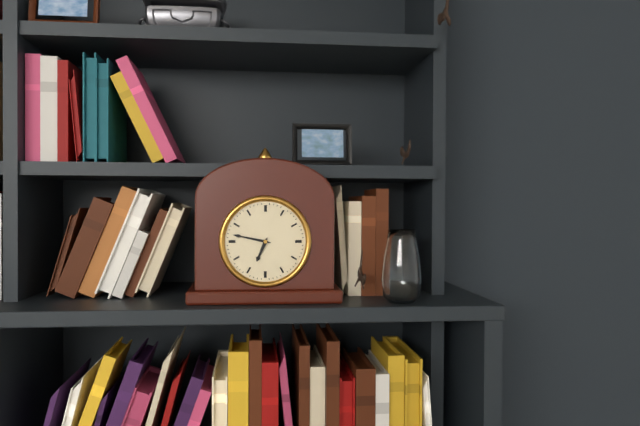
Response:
6.47
